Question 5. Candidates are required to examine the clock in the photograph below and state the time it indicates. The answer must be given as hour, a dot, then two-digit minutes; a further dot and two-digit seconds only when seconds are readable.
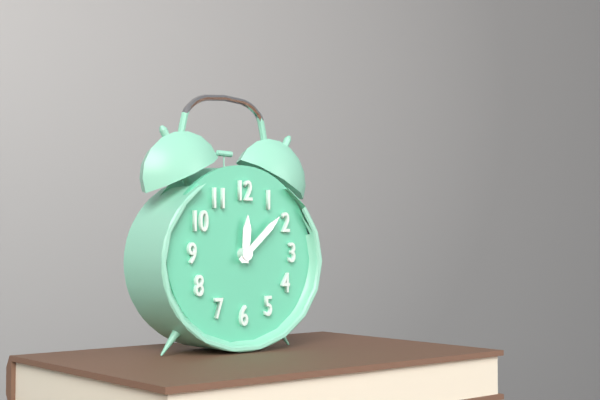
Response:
12.08
